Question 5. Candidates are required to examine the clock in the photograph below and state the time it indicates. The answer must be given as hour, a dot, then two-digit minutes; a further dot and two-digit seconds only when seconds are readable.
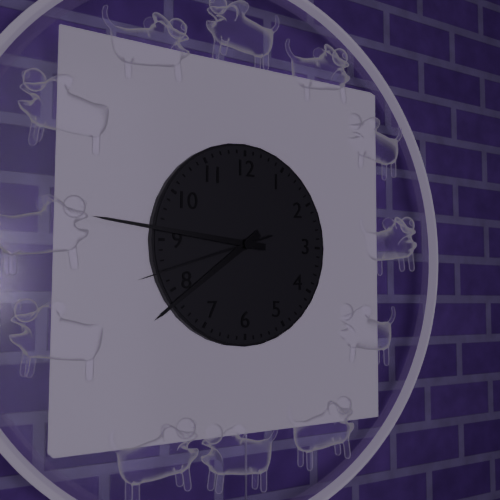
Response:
7.46.42
